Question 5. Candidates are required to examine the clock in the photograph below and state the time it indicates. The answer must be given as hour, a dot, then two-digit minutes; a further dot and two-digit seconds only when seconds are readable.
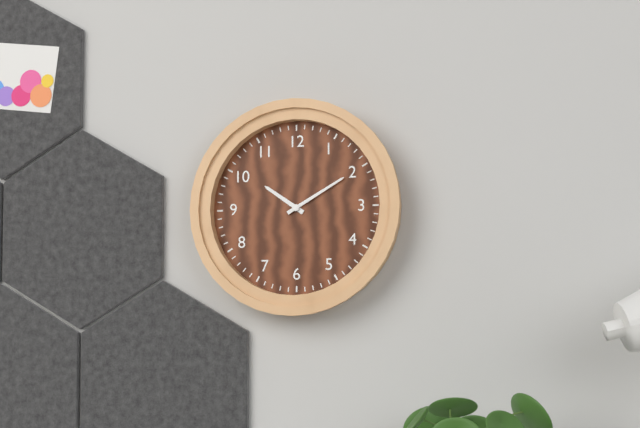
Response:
10.10
